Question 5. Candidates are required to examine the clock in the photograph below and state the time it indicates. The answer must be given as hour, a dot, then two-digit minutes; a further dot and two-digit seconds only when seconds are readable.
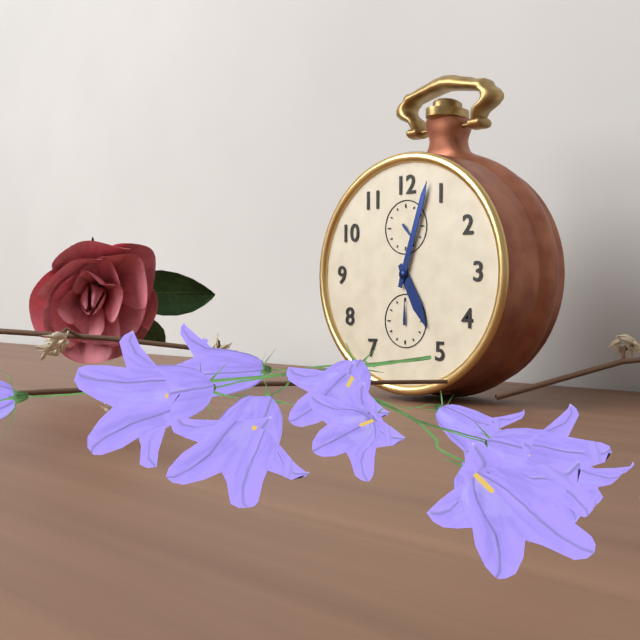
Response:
5.03
